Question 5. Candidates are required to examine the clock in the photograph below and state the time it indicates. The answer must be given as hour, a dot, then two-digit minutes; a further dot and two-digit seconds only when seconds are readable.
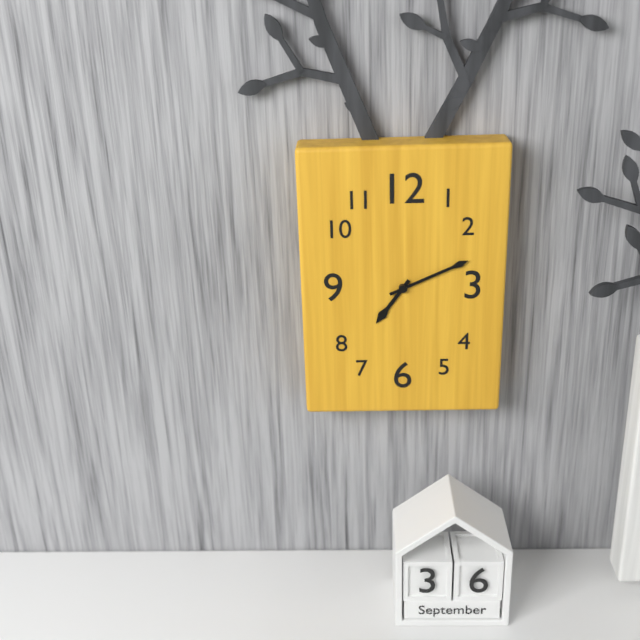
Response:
7.11
